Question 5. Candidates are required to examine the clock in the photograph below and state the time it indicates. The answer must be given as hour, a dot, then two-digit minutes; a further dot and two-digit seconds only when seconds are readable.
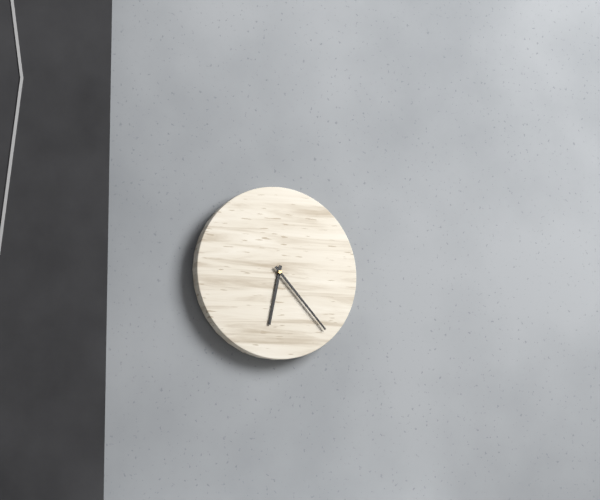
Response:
6.23
